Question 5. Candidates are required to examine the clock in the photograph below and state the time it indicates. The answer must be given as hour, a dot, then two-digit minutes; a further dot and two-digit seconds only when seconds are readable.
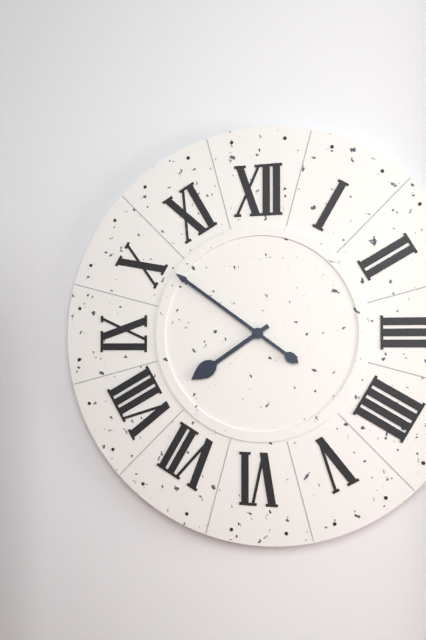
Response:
7.51
